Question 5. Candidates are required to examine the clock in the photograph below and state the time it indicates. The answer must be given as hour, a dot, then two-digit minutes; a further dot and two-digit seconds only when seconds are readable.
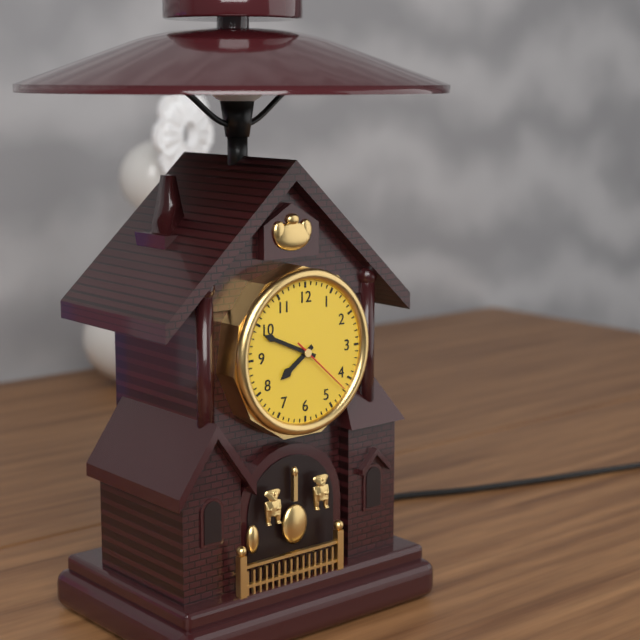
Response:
7.49.22
